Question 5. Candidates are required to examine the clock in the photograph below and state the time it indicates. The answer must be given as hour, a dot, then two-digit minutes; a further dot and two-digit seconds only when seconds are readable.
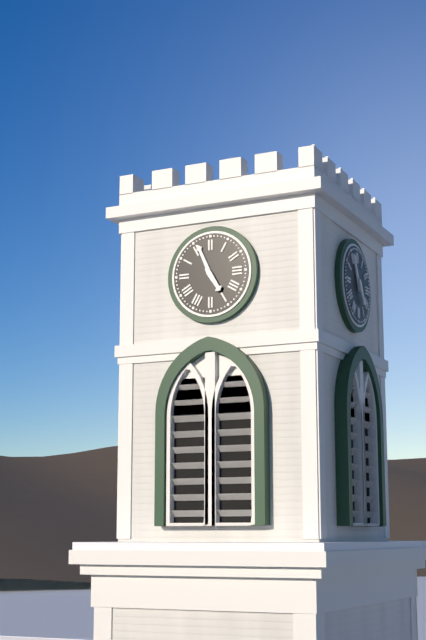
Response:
4.56
